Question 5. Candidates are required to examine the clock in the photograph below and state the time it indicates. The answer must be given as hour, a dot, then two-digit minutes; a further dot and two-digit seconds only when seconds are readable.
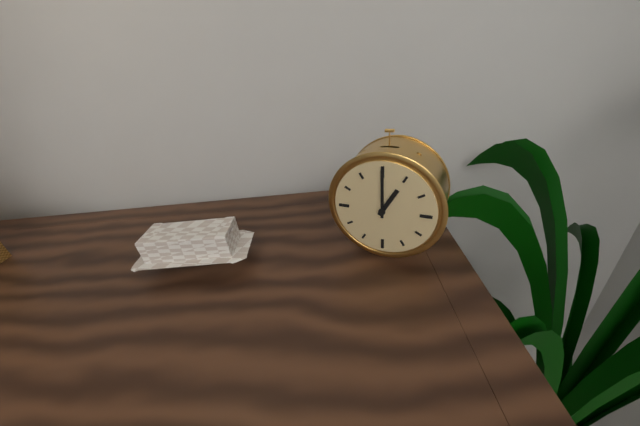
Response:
1.00
